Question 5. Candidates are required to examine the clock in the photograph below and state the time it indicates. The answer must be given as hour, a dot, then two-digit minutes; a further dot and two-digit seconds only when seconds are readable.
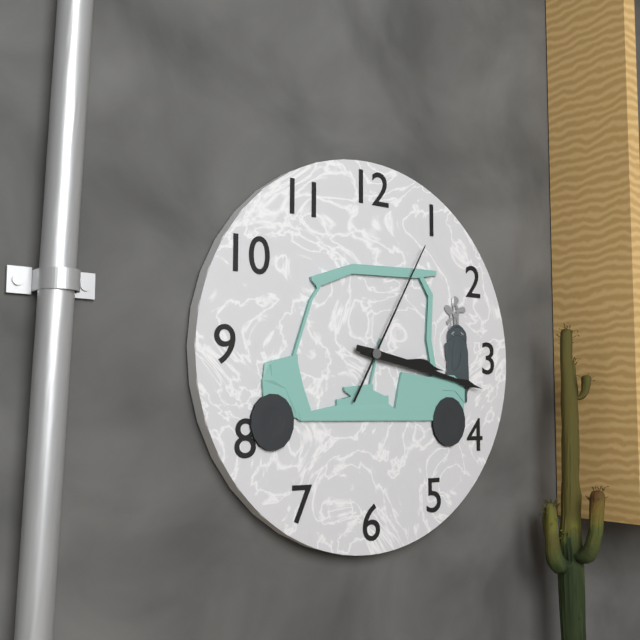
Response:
3.17.05
